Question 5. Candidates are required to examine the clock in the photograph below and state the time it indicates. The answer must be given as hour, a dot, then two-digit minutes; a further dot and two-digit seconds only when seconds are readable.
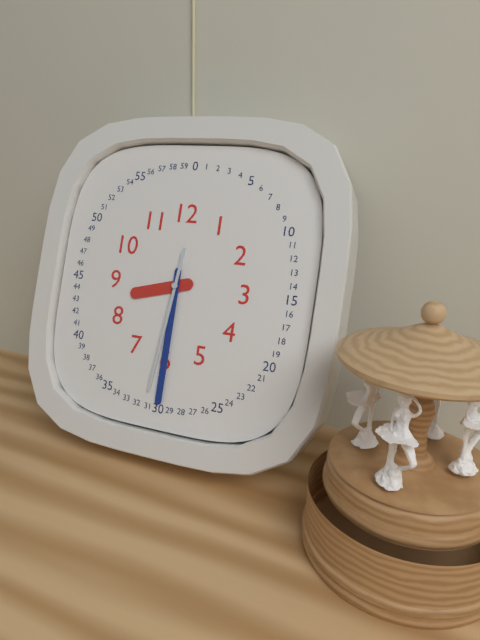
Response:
8.30.31
